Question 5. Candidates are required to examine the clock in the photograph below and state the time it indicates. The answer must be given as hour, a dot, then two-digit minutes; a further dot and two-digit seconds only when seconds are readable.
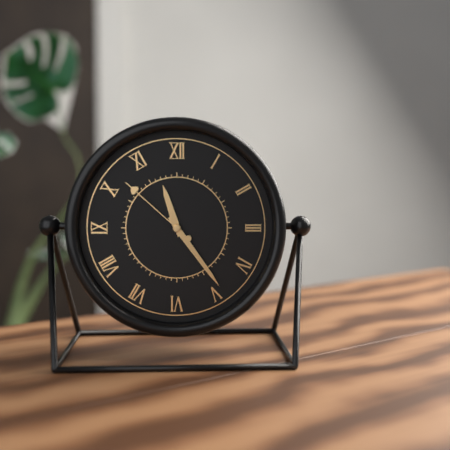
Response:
11.24.52
